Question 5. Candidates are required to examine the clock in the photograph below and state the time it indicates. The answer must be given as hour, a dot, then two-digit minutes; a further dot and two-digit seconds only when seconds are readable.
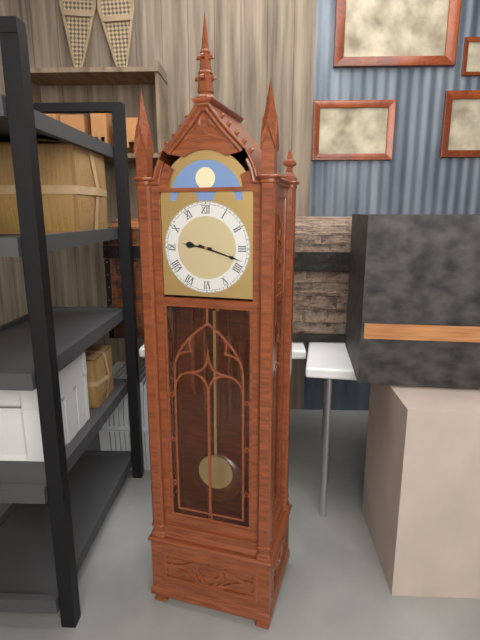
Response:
9.18
